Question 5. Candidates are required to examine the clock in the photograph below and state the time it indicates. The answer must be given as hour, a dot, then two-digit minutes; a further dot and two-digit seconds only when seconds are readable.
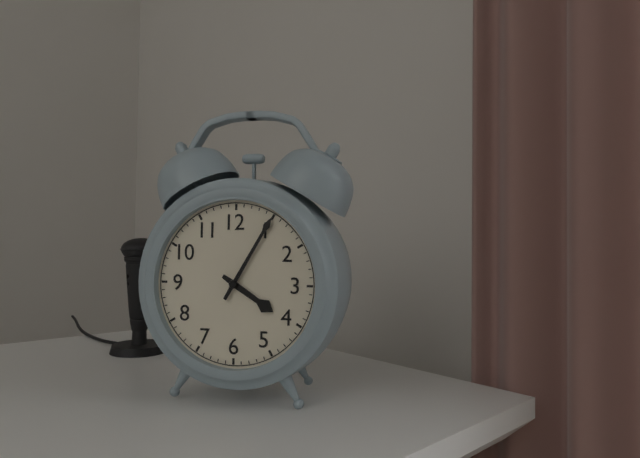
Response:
4.05
